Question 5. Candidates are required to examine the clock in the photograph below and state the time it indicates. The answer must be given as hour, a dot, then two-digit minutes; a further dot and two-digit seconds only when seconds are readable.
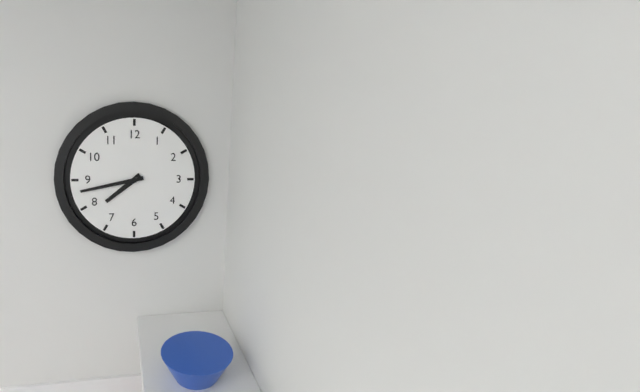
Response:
7.43
